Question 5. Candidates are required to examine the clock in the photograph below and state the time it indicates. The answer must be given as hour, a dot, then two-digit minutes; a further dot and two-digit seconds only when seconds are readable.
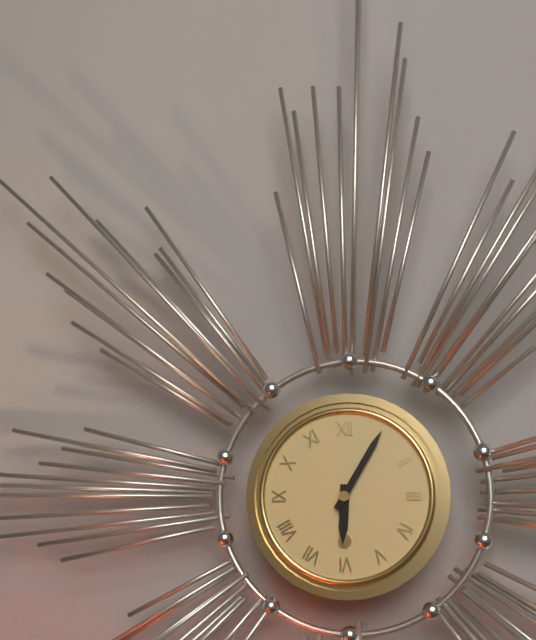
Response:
6.05
